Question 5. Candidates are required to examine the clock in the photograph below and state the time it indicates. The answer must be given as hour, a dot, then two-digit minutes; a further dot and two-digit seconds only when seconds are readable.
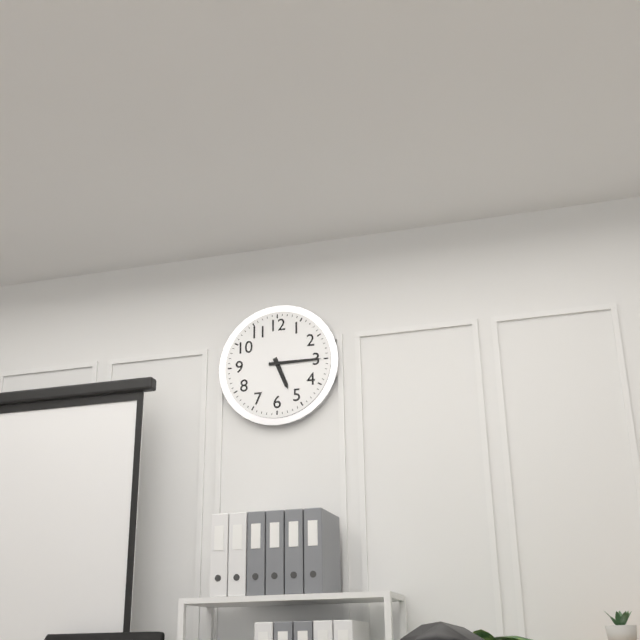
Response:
5.15
